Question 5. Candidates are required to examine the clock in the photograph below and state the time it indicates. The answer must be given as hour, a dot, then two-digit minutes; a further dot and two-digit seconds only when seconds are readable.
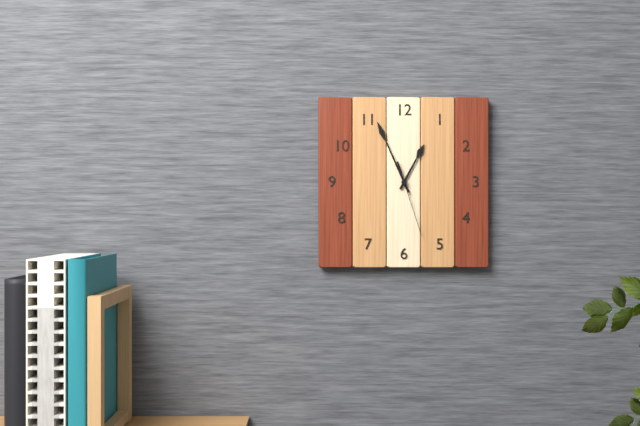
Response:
12.56.27
